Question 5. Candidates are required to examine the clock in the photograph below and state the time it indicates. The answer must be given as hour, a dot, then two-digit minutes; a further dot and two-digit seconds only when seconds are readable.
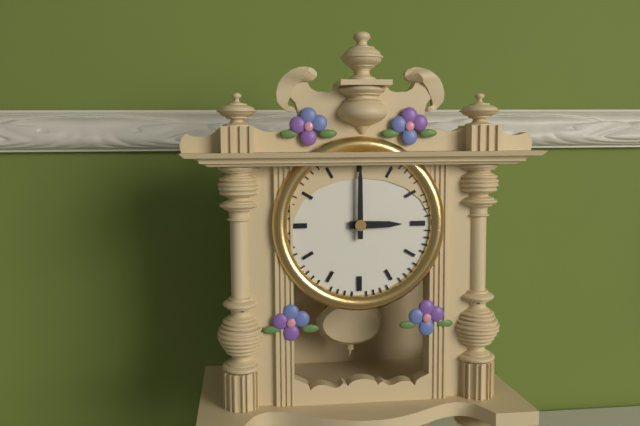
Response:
3.00
